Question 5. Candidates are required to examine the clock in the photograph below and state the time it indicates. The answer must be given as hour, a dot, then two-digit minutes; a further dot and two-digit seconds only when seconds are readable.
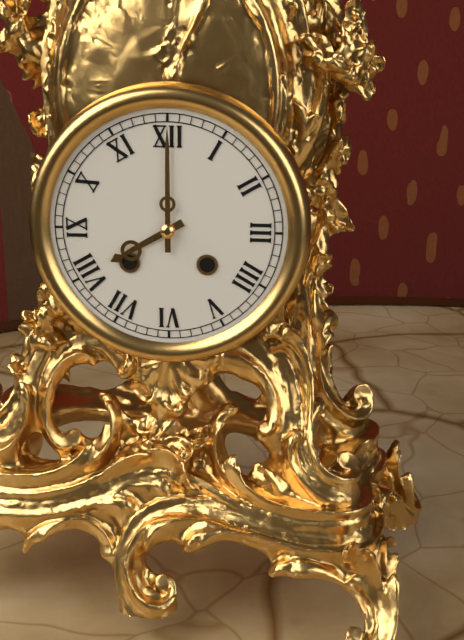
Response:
8.00
